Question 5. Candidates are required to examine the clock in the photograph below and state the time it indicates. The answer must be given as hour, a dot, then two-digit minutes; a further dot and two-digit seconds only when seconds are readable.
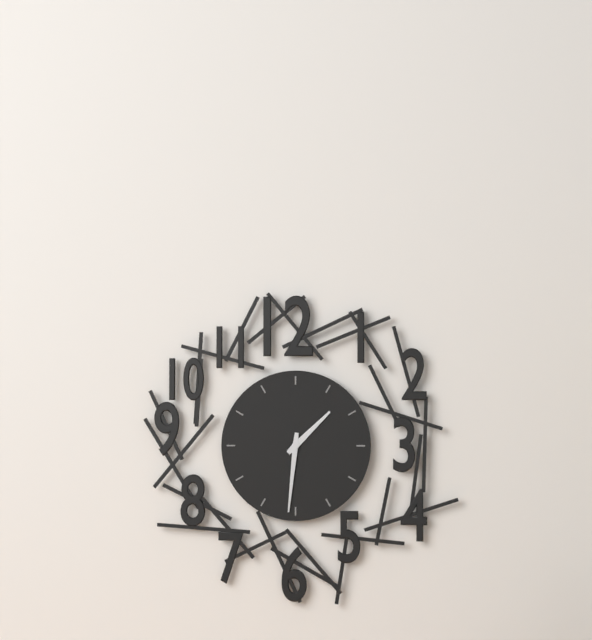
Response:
1.31
